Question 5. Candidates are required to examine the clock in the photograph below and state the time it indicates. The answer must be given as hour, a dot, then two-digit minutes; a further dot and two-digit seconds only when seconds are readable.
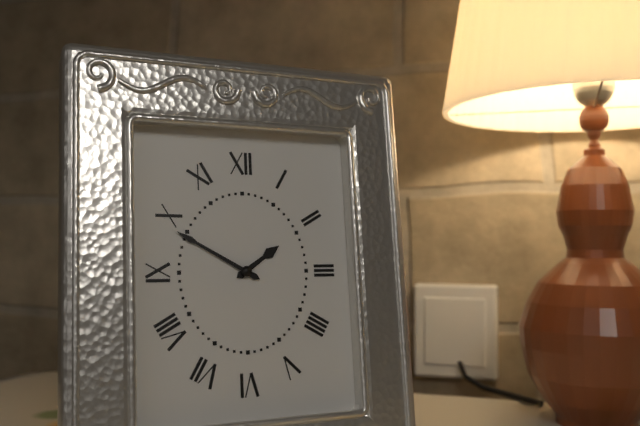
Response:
1.50
